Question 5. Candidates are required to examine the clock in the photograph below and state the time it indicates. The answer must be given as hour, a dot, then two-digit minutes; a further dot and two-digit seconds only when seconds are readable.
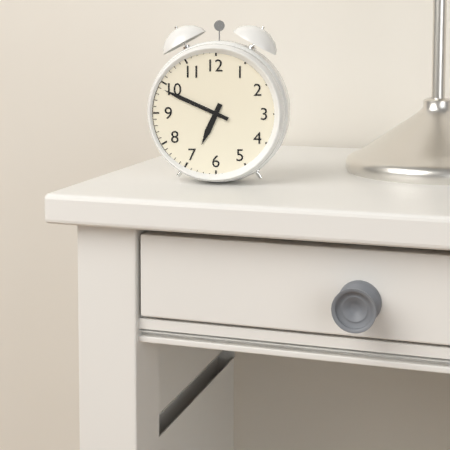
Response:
6.49
